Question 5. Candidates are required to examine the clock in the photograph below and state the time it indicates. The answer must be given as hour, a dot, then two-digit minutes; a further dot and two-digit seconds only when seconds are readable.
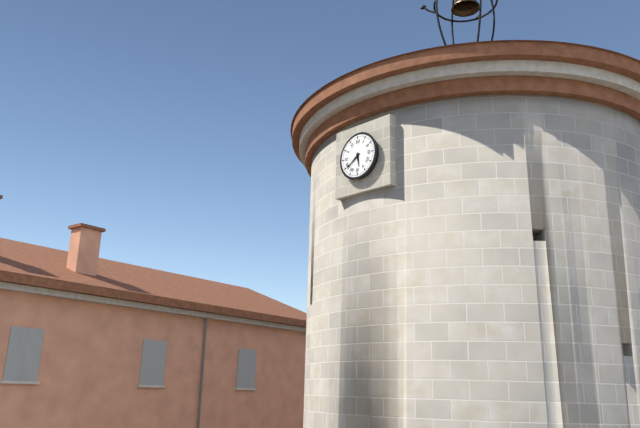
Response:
5.39
